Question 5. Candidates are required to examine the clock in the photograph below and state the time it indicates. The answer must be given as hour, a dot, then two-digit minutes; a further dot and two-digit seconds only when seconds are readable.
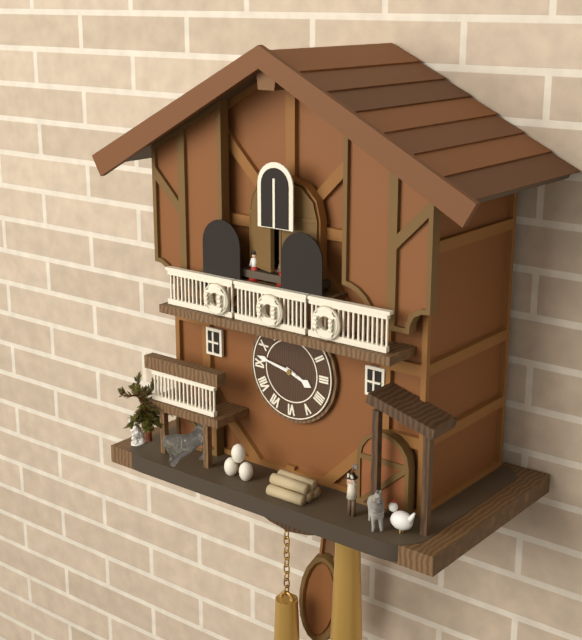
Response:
3.47
